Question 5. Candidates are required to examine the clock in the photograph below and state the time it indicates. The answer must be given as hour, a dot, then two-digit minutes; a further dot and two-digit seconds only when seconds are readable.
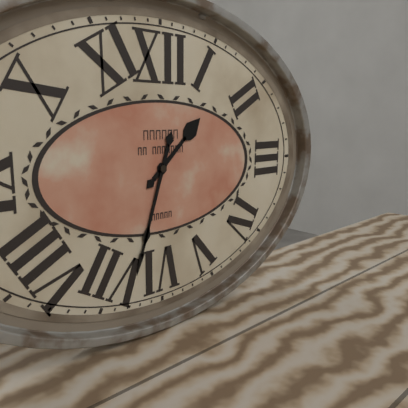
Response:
1.33
